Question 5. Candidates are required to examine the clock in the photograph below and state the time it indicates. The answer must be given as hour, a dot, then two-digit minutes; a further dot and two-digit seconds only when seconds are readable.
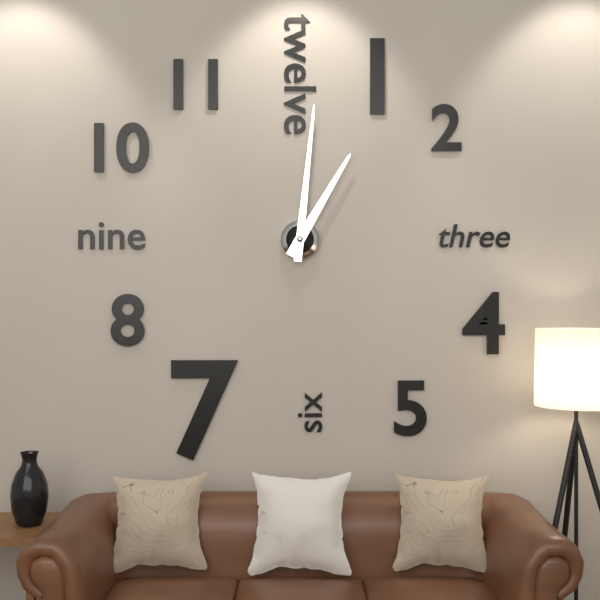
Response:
1.01
